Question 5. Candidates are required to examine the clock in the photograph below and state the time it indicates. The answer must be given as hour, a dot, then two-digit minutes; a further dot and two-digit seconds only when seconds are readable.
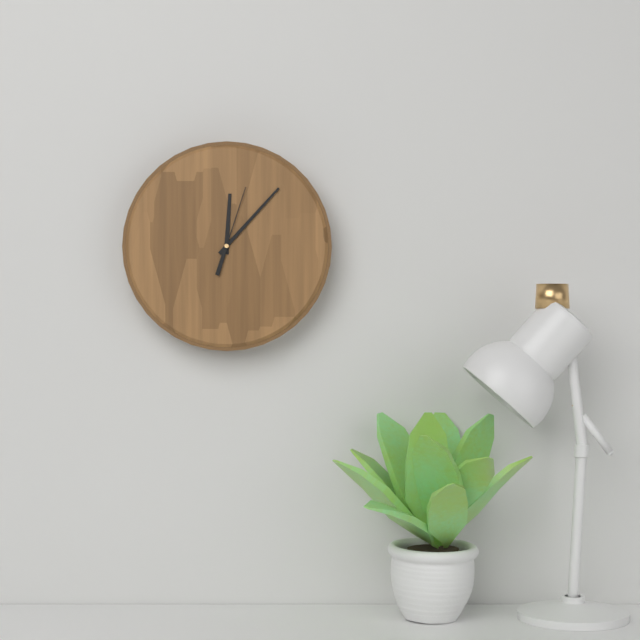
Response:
12.07.03
